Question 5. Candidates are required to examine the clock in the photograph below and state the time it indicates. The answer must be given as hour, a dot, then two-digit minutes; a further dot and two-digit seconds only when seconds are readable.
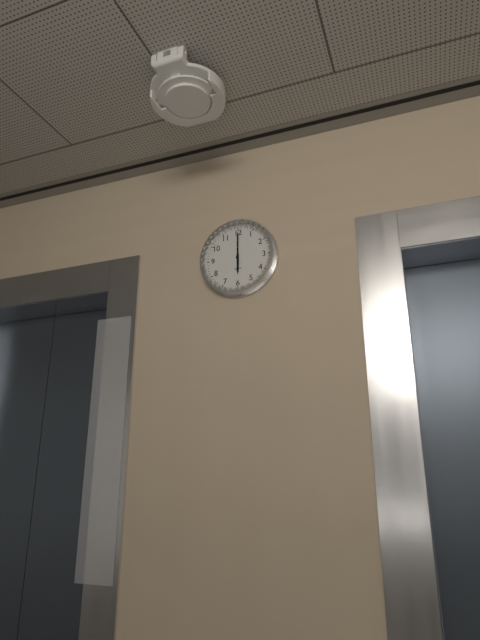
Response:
6.00
